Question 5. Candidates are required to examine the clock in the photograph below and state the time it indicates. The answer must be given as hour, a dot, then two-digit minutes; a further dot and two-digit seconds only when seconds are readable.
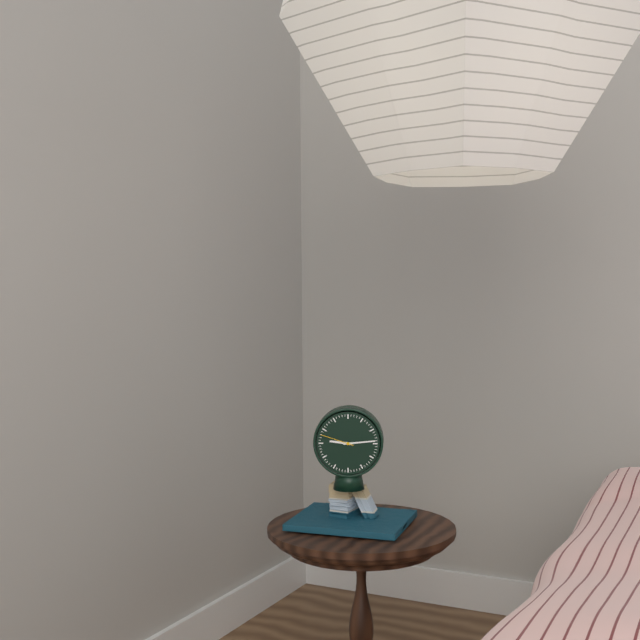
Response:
9.14
